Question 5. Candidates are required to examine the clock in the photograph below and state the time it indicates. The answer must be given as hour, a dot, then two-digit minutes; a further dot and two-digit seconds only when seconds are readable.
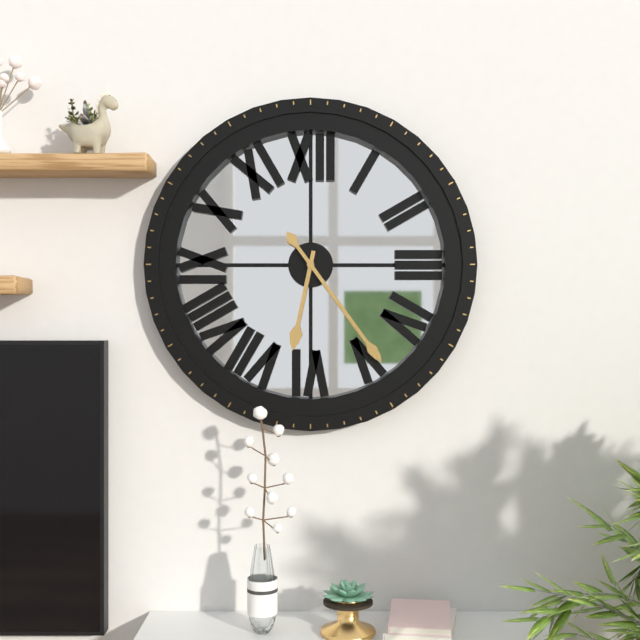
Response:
6.24
